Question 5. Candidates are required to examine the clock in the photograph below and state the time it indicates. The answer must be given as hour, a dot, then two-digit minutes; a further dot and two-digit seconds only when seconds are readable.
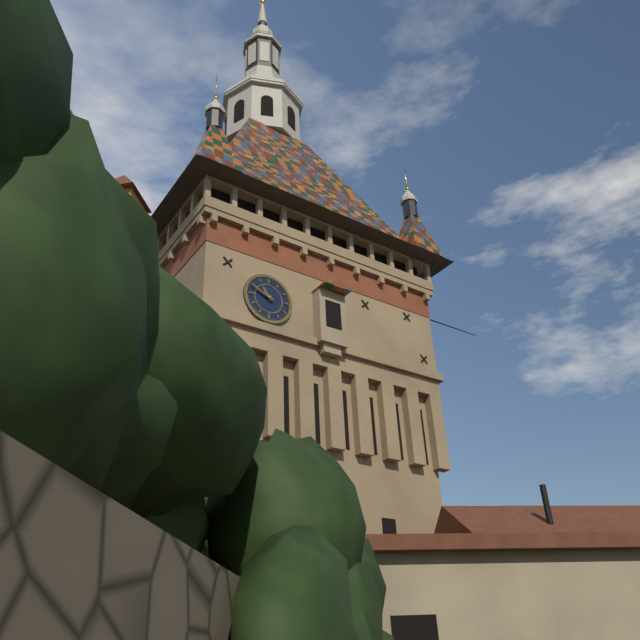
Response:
10.49
